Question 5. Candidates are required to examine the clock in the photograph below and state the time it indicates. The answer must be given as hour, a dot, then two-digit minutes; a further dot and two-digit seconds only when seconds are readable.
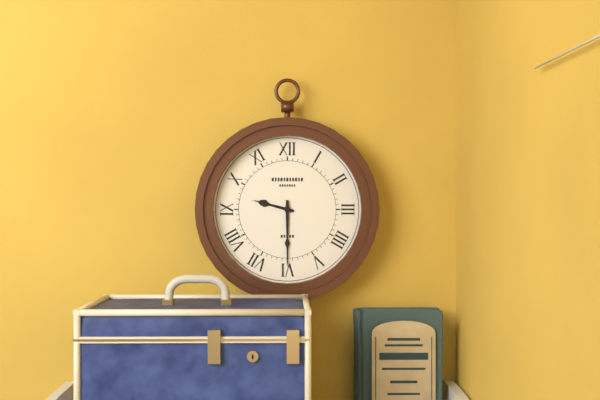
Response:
9.30
